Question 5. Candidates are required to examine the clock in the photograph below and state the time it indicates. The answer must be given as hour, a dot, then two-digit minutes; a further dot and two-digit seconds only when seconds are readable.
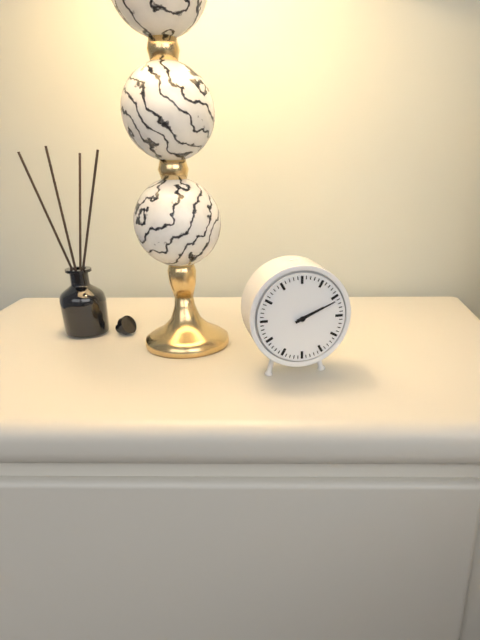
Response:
2.11
